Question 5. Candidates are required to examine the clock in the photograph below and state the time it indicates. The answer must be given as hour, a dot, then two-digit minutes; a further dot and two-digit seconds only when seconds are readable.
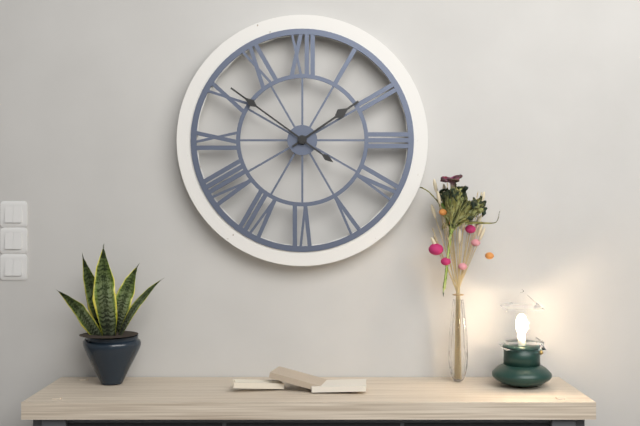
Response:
1.51
